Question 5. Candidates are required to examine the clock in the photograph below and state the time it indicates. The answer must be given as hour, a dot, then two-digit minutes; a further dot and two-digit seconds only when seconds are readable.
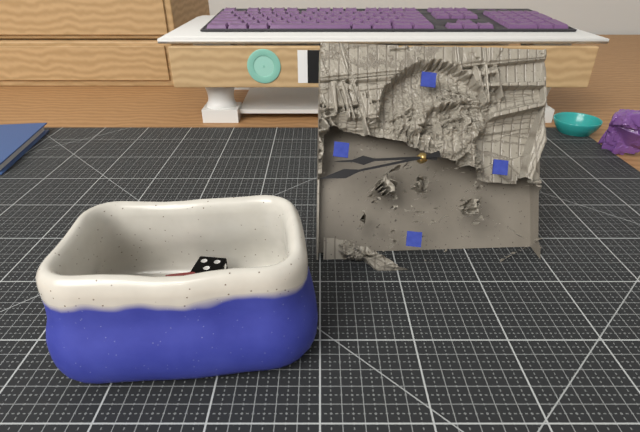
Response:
8.42
